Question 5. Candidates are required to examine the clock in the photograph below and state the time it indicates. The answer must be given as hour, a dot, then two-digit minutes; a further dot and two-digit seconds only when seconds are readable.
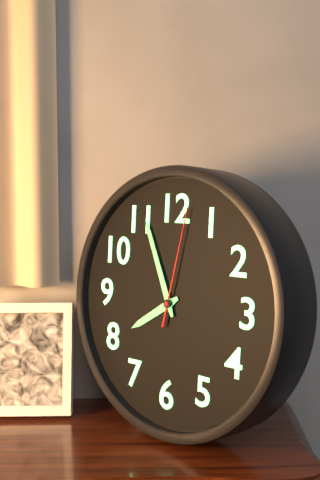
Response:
7.56.02
